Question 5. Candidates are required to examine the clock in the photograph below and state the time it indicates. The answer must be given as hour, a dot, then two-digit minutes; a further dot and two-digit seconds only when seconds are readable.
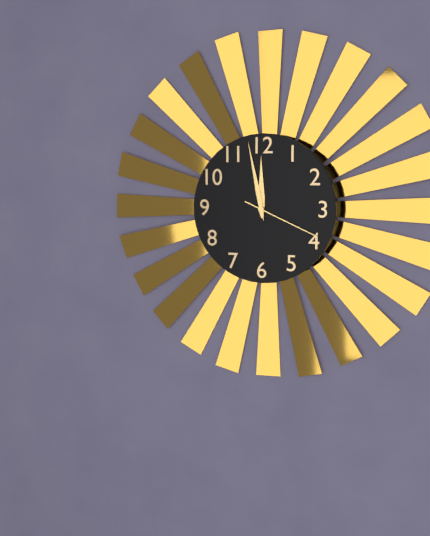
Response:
11.58.19
